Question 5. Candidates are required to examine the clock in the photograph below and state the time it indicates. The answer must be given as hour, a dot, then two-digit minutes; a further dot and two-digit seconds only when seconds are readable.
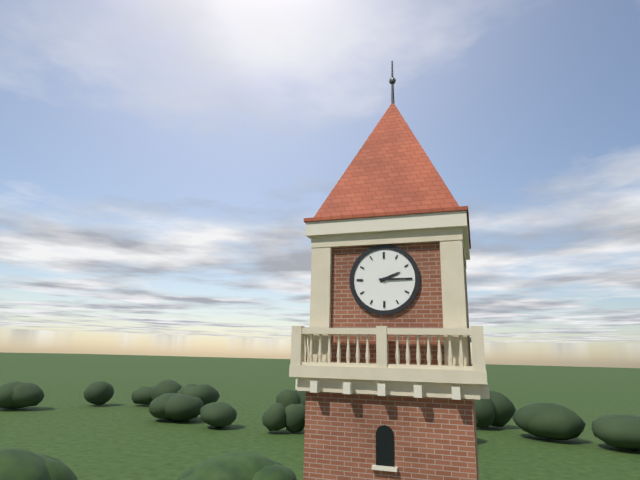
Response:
2.15
